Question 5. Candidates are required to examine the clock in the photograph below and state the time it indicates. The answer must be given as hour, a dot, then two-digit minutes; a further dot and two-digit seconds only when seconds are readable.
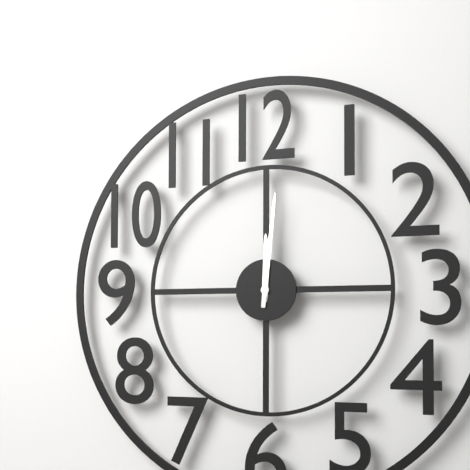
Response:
12.01
